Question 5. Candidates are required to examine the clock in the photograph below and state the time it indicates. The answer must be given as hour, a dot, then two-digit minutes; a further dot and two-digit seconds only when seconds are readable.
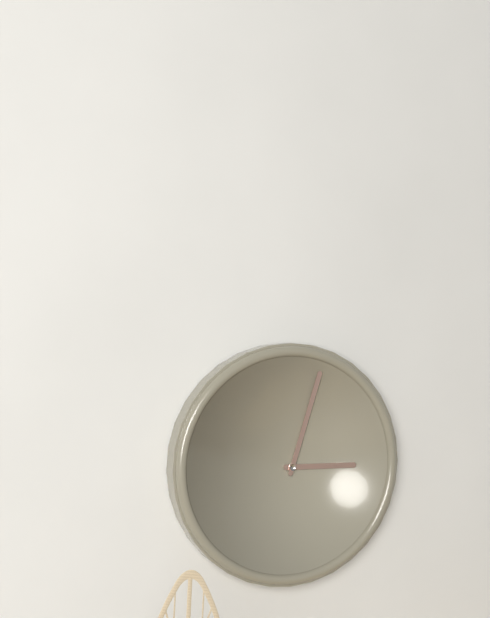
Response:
3.03
